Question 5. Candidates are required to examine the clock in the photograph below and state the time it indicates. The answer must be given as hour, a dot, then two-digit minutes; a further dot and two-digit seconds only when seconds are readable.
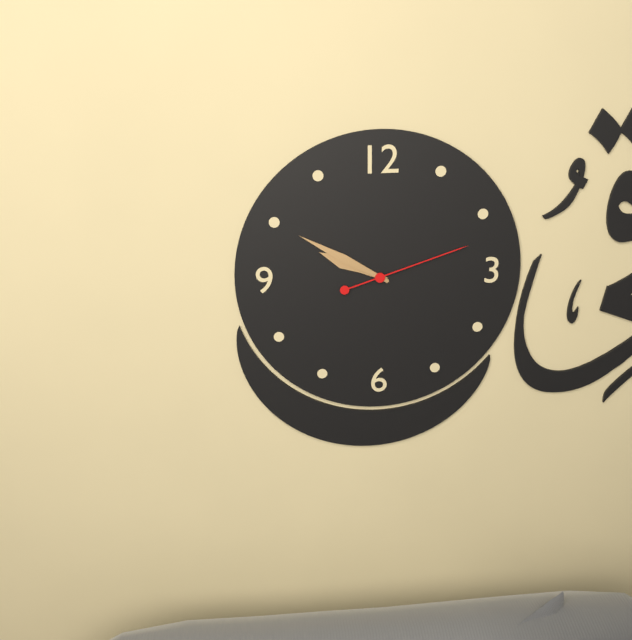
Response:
9.50.12
